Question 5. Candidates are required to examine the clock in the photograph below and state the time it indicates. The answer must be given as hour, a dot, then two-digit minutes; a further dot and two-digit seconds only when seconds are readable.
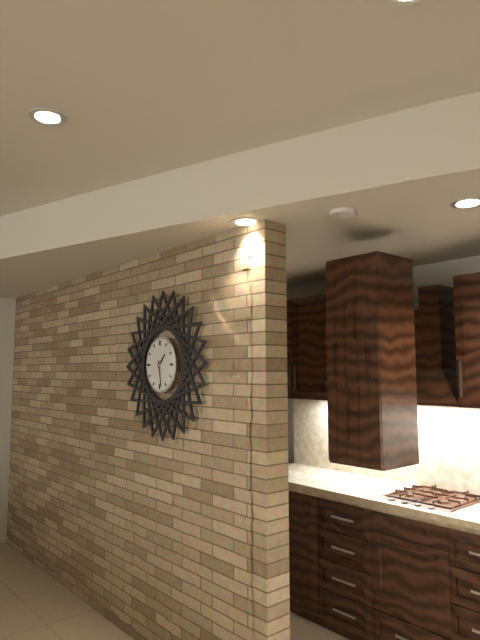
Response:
1.28
